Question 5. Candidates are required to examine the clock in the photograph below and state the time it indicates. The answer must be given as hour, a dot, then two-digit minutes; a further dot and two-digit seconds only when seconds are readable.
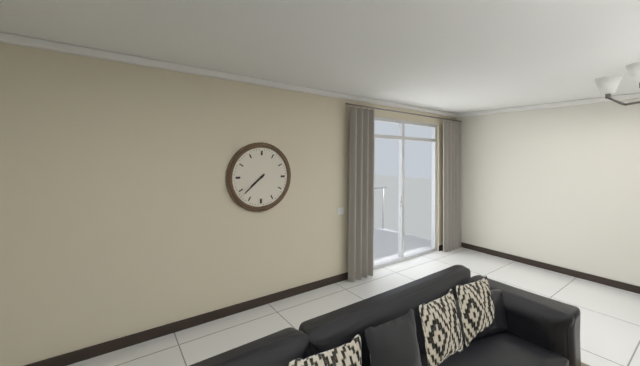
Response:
7.38
